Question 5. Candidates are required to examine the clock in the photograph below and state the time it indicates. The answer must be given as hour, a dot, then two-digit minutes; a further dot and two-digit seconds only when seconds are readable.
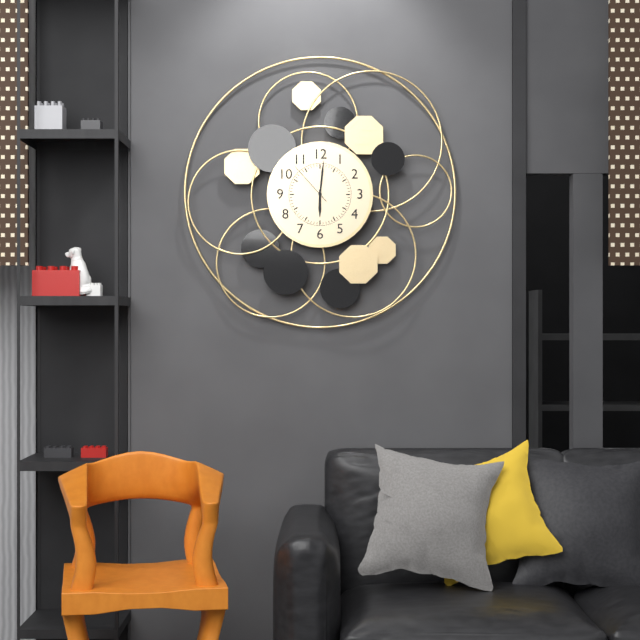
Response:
6.01
